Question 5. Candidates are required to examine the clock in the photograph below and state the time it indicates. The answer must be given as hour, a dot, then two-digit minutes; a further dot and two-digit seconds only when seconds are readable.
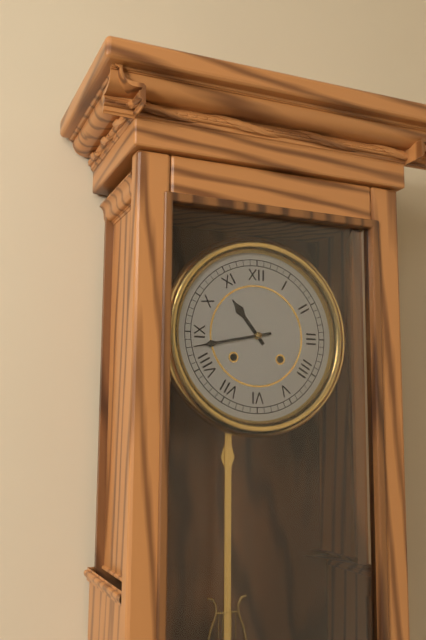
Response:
10.43
